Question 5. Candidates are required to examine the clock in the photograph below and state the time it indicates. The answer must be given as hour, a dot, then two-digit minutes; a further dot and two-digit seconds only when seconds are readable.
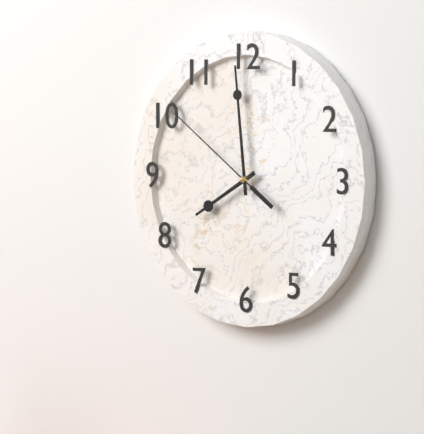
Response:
7.59.51
